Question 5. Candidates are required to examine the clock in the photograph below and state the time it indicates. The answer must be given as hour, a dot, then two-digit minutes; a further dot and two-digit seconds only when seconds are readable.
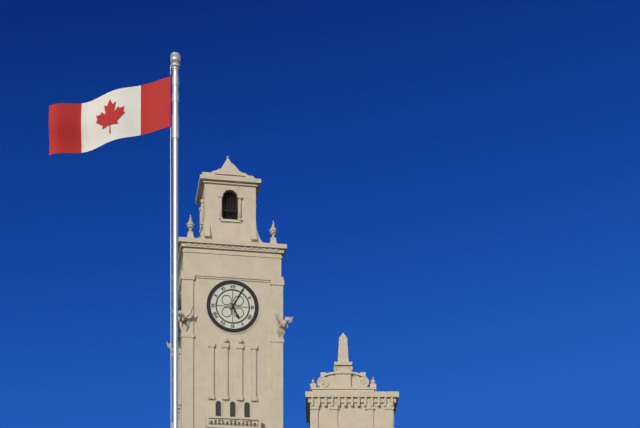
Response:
5.05
